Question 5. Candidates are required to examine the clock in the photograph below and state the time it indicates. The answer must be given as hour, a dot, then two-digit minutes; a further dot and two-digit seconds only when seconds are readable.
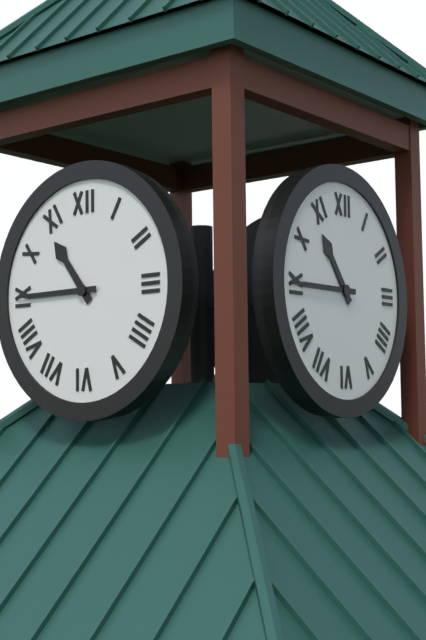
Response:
10.45
